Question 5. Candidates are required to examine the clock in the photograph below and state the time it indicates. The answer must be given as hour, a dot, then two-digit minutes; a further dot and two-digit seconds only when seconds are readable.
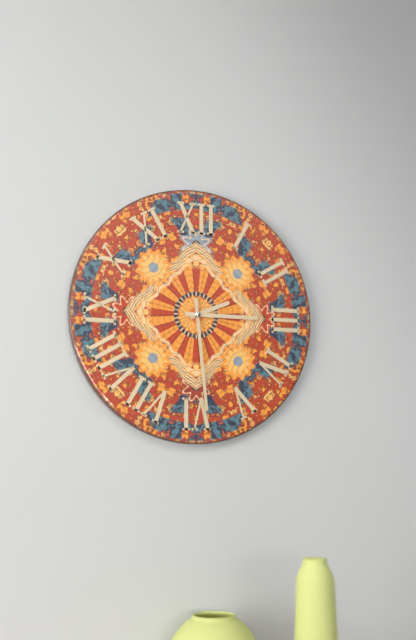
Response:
2.15.29
